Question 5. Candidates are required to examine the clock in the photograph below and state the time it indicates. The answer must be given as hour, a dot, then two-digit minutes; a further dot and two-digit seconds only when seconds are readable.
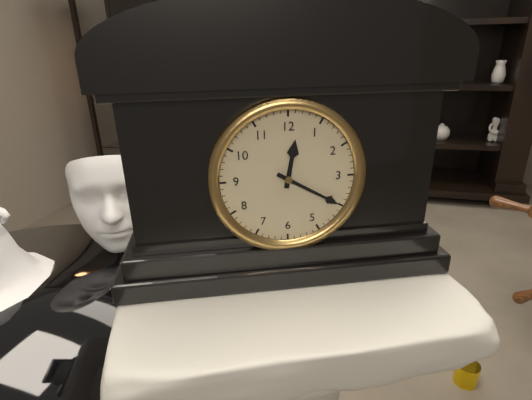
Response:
12.20
